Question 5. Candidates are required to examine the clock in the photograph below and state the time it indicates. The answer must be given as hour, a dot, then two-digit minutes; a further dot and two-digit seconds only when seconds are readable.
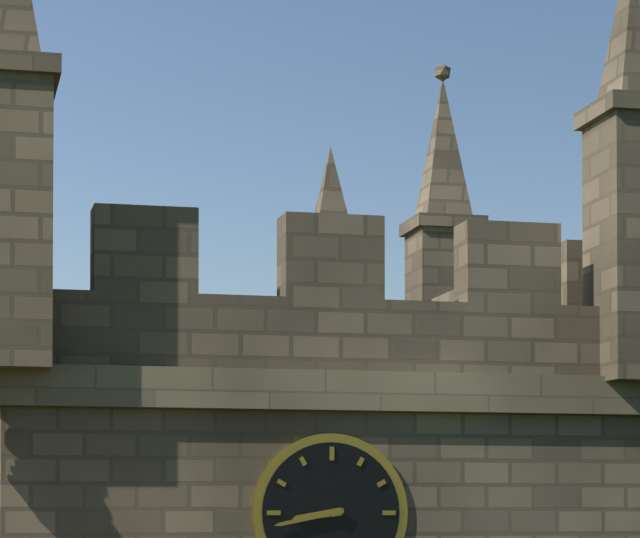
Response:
8.43
